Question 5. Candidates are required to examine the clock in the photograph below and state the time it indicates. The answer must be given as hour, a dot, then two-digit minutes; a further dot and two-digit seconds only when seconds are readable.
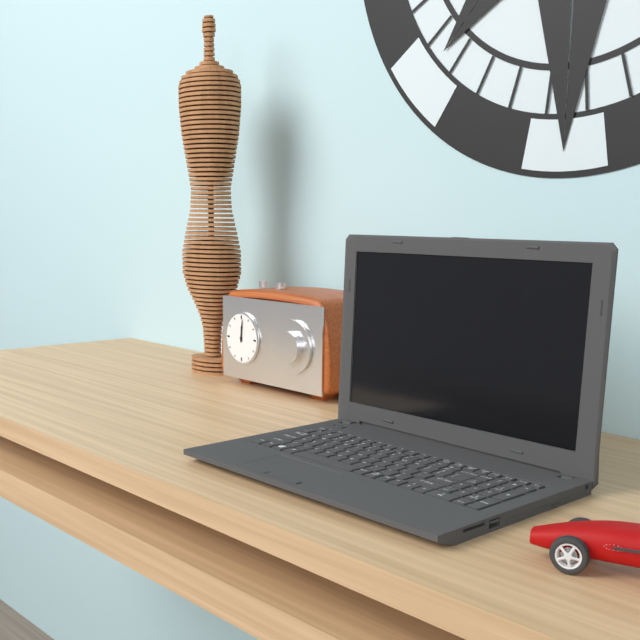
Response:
12.01
